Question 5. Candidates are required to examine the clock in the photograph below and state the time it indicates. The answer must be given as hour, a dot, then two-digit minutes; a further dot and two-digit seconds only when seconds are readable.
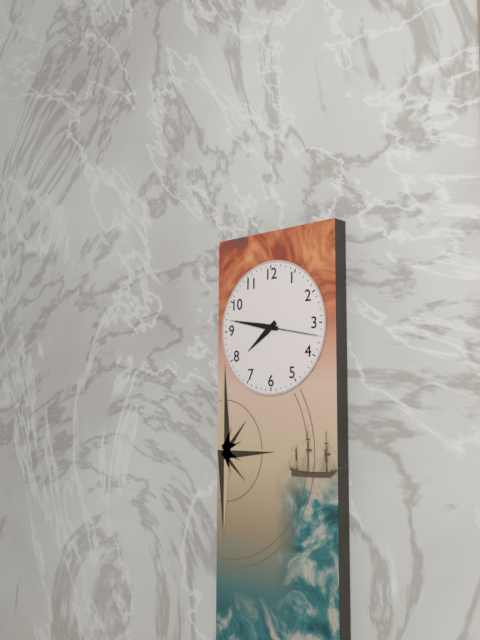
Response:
7.47.17
